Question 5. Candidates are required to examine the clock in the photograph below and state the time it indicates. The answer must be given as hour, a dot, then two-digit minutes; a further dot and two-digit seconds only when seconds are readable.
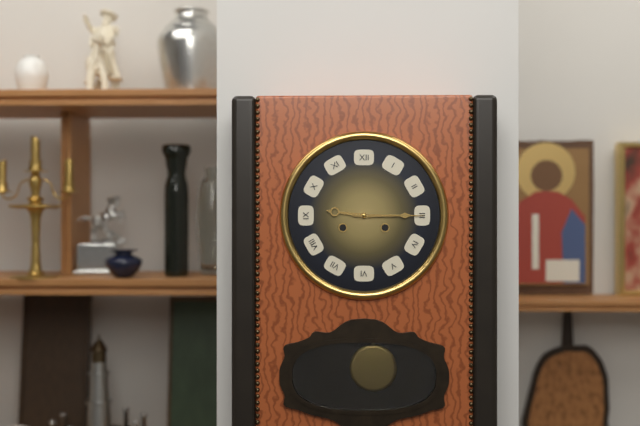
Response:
9.15
